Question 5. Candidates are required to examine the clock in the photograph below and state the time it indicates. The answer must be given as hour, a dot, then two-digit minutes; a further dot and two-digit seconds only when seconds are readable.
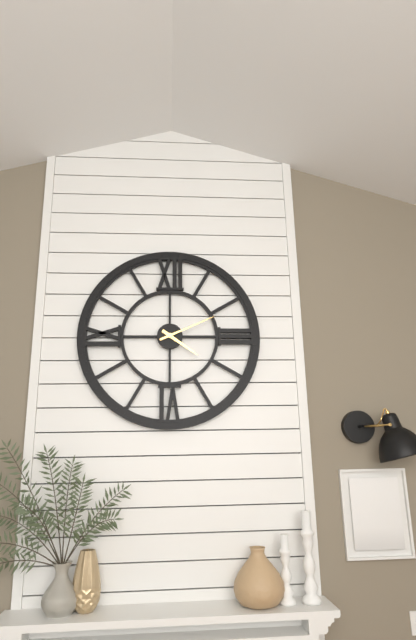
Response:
4.11
